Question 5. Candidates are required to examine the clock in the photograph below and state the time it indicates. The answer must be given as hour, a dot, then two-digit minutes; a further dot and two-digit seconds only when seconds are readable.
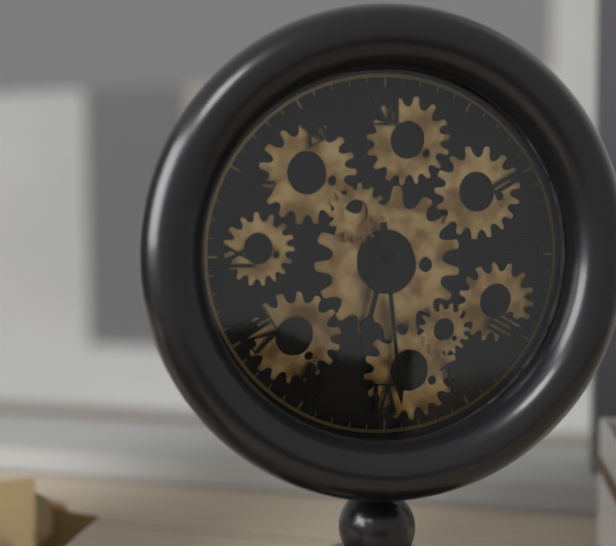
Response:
6.29
